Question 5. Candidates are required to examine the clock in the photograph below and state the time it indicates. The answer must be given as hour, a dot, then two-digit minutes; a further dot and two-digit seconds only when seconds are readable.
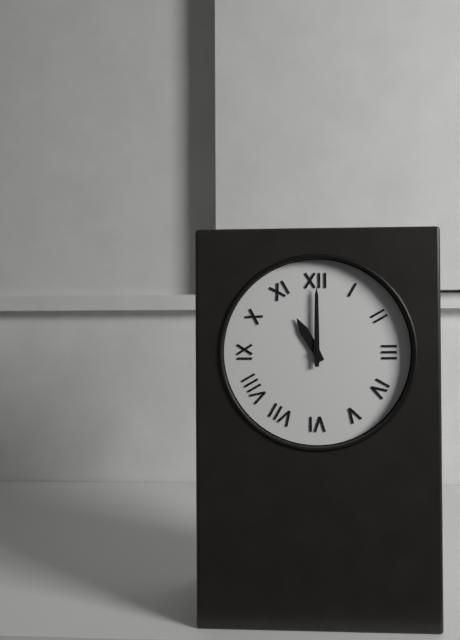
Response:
11.00
